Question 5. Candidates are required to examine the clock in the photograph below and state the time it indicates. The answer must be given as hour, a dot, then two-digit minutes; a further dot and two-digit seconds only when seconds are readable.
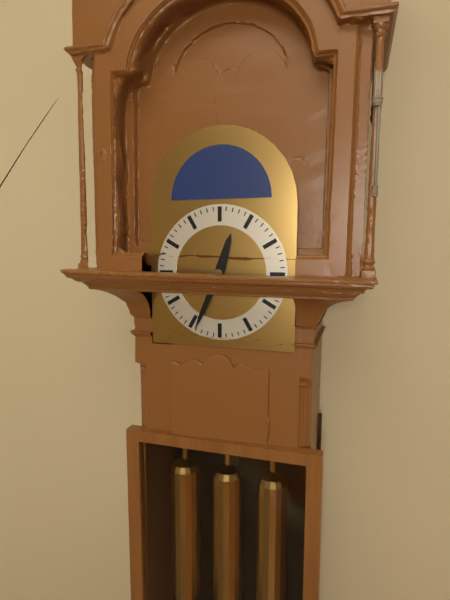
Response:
12.34
